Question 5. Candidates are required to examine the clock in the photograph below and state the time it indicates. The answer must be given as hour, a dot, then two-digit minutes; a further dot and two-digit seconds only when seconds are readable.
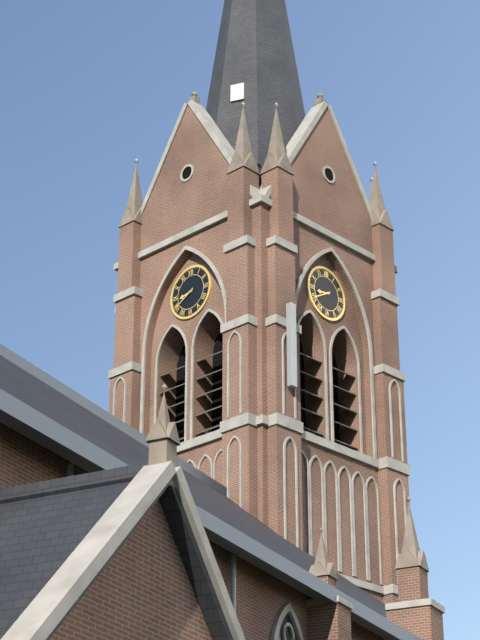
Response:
8.40
